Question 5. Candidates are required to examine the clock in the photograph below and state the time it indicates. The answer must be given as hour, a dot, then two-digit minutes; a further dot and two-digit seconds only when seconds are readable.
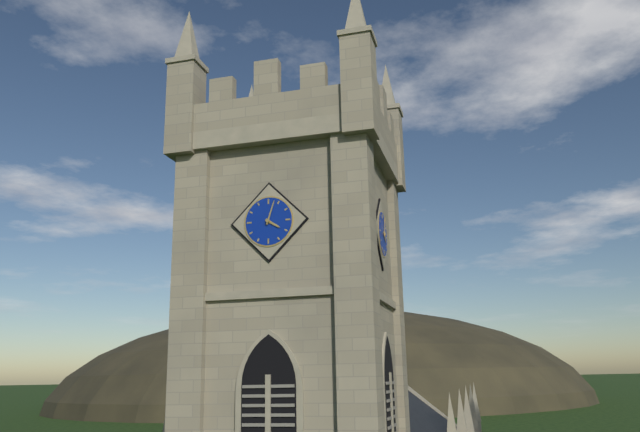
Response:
4.03
